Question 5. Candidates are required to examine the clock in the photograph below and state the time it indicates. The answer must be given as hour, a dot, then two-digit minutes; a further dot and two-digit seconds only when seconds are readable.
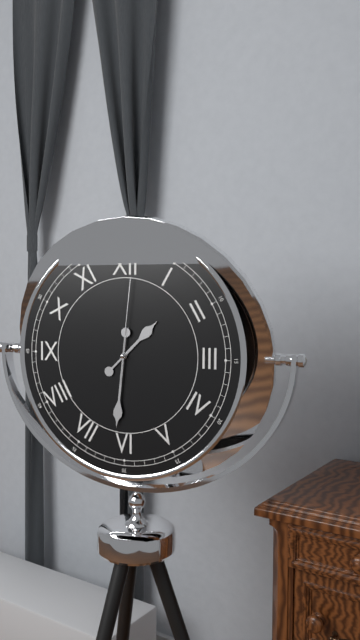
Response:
1.31.01
